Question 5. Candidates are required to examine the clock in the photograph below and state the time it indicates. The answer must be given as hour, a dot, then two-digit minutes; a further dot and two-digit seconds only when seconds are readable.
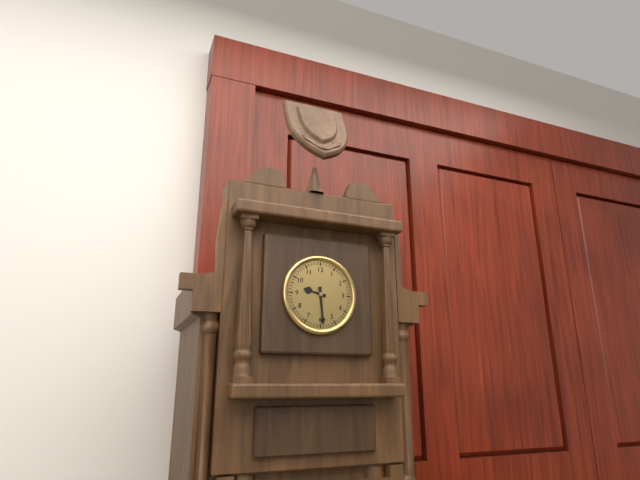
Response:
9.29
